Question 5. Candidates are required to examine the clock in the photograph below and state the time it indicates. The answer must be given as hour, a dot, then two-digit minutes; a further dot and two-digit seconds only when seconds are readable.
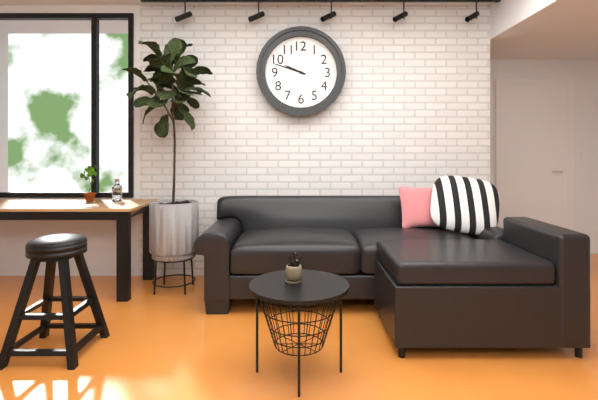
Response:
9.48
